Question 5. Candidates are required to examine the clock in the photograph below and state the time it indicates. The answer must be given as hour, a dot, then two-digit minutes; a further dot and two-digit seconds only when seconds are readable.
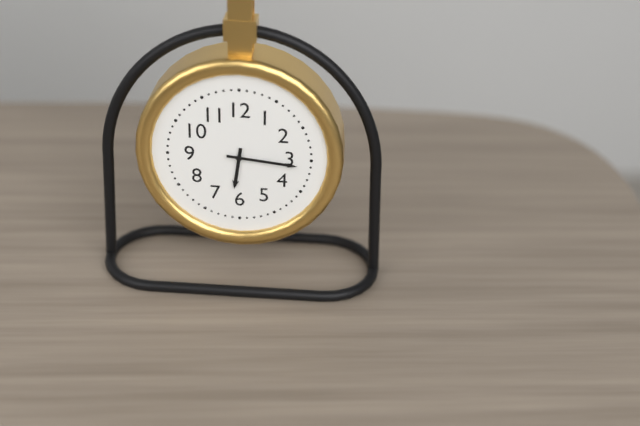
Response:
6.16
